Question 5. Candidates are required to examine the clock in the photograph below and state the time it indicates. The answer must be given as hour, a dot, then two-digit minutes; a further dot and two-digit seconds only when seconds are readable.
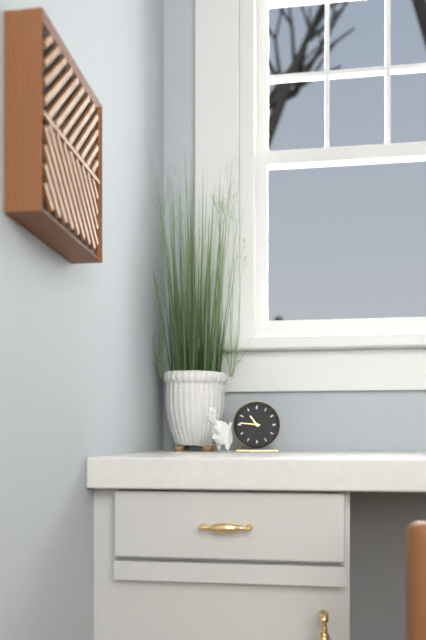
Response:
10.46
